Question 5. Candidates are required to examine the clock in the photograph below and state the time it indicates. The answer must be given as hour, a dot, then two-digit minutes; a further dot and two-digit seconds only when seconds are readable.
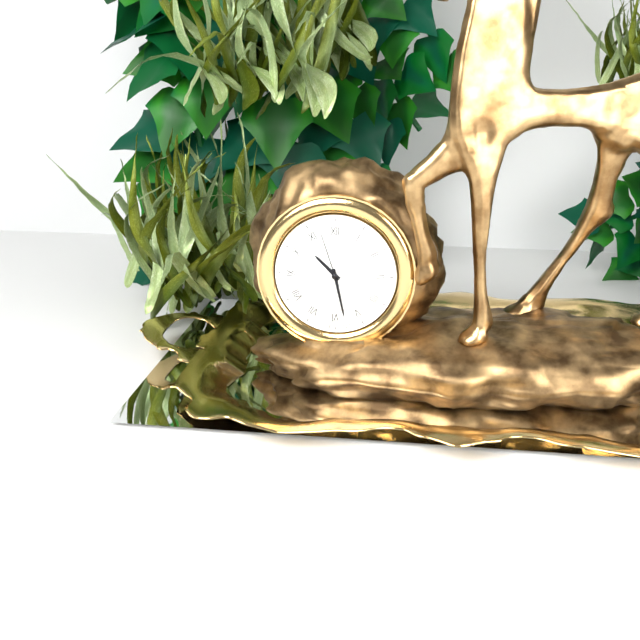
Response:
10.28.57
